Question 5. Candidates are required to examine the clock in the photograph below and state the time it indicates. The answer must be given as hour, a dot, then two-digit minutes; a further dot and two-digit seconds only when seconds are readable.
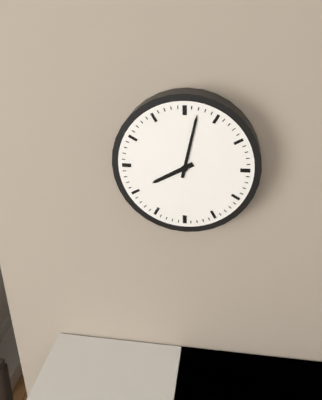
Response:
8.02
